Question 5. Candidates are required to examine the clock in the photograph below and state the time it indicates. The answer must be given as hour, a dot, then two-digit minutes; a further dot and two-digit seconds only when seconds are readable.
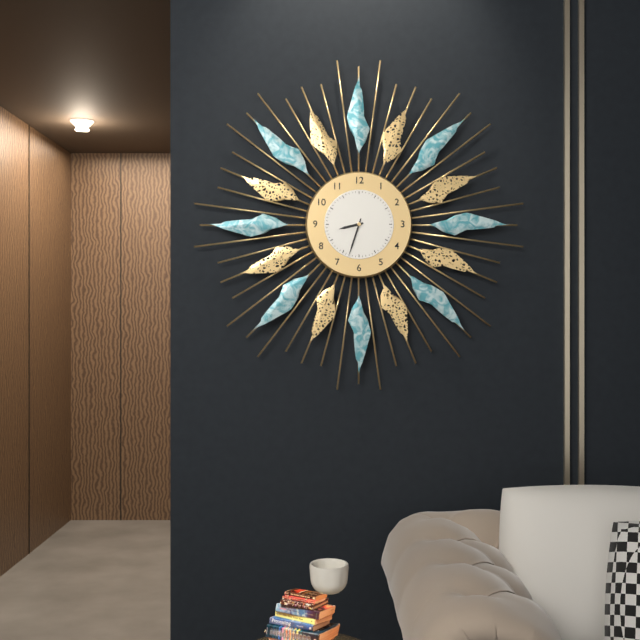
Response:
8.33
